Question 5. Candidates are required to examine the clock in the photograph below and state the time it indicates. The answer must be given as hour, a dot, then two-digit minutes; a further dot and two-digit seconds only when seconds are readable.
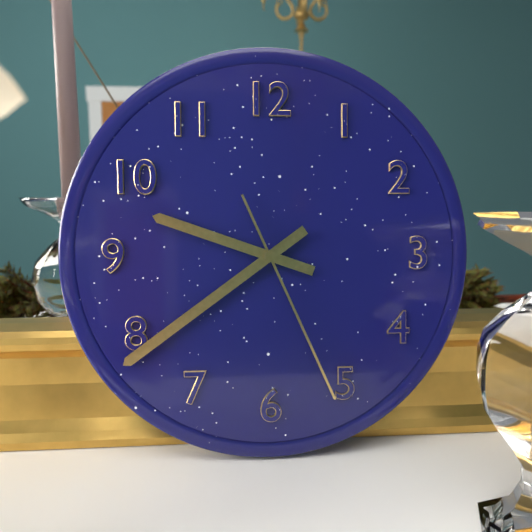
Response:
9.39.26
